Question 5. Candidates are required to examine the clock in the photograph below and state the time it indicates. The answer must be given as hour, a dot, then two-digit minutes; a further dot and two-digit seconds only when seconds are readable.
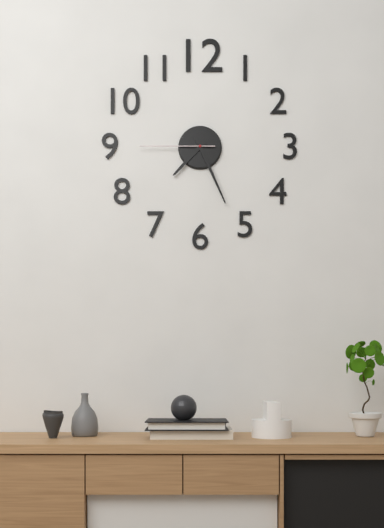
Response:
7.26.45
